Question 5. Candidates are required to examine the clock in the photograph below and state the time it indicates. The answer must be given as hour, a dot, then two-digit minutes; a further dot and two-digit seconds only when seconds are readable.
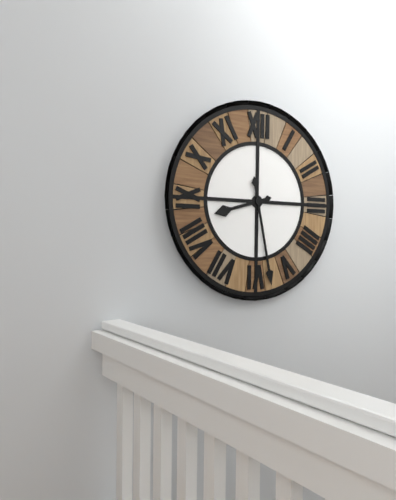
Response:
8.28
